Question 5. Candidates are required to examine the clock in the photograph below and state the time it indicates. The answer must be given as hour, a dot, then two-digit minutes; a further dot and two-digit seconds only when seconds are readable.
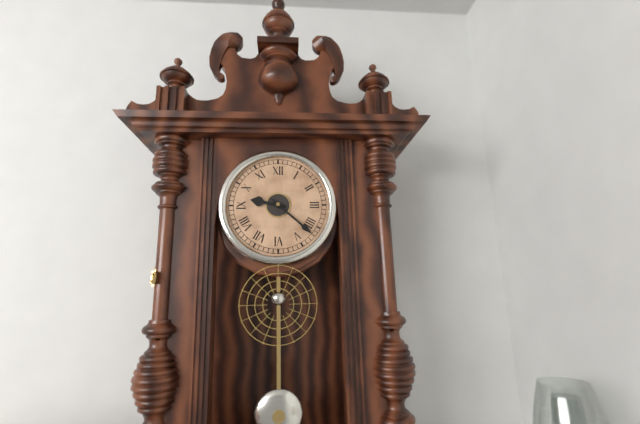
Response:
9.22
